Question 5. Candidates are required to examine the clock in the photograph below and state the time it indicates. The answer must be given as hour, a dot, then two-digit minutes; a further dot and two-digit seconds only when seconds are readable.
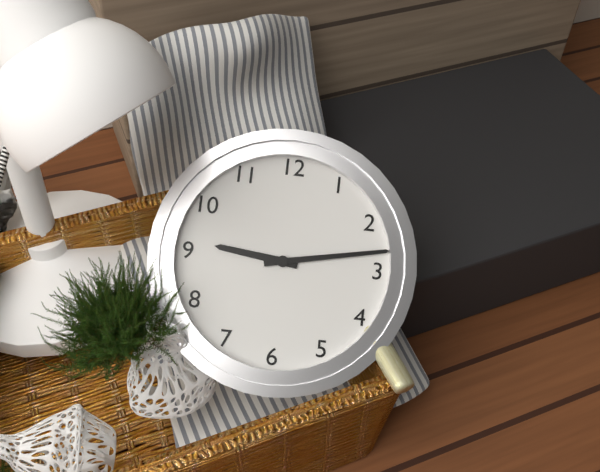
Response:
9.13
